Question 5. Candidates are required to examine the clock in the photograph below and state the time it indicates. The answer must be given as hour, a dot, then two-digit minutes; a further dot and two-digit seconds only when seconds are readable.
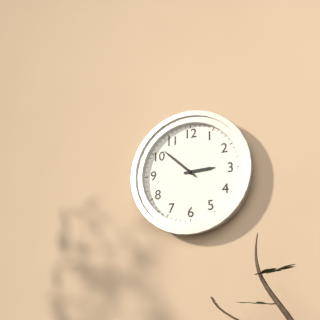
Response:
2.52
